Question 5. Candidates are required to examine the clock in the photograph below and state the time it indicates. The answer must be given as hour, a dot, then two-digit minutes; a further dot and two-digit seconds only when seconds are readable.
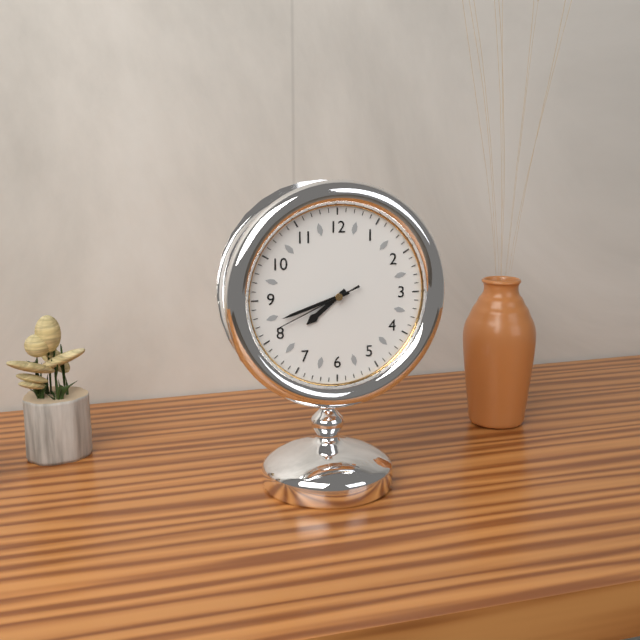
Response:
7.42.41
